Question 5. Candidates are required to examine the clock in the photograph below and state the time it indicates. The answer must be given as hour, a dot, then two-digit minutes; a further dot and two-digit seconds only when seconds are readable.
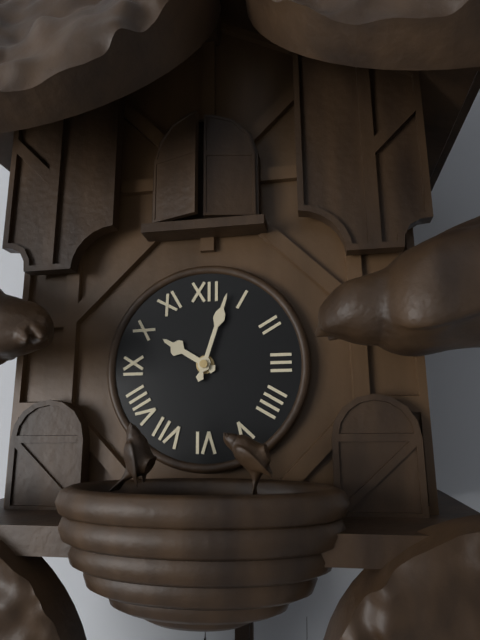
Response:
10.03
